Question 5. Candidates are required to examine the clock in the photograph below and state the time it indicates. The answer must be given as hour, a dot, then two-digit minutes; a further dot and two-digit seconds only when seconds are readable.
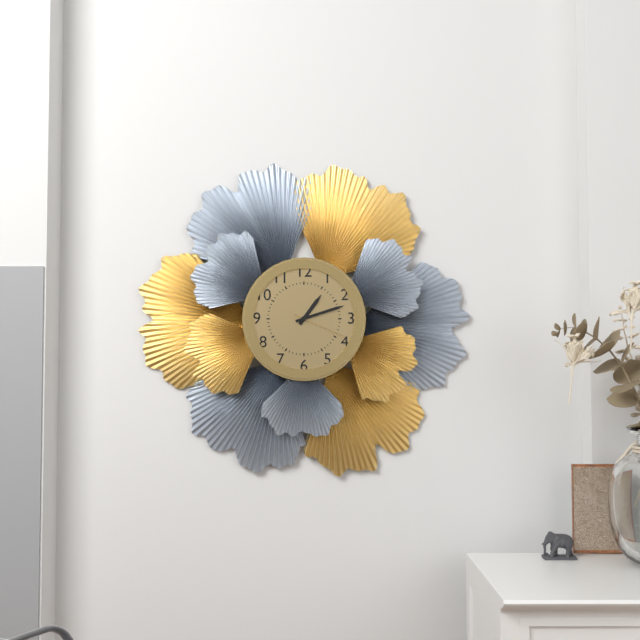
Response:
1.12.19
